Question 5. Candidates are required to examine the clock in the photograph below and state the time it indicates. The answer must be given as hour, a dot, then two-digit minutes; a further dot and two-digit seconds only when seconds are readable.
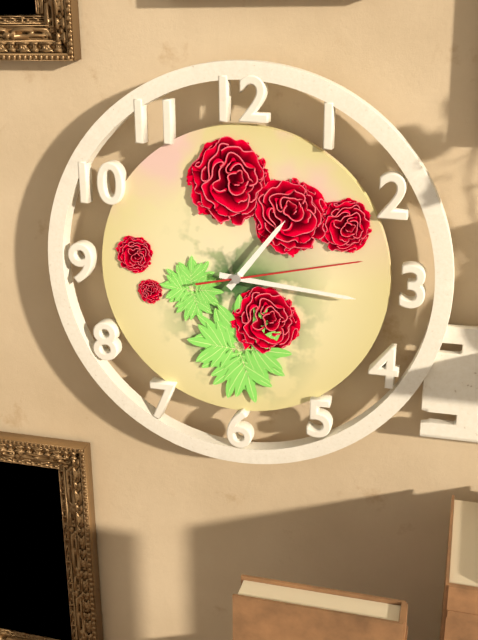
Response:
1.16.13
